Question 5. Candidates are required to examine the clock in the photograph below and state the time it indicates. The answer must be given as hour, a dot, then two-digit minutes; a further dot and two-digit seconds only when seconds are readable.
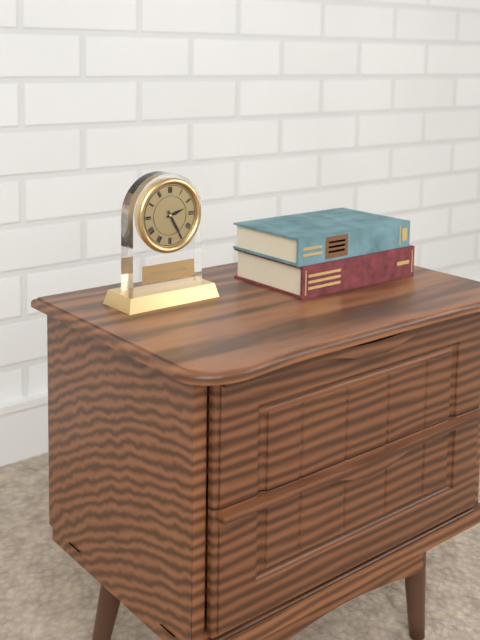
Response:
2.25
